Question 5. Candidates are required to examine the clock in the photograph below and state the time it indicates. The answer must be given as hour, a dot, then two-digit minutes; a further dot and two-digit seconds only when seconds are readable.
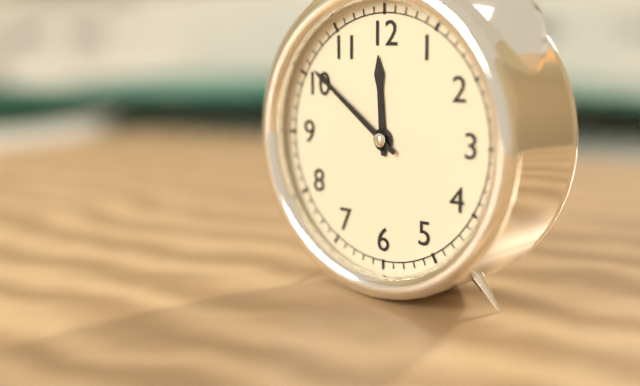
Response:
11.51
